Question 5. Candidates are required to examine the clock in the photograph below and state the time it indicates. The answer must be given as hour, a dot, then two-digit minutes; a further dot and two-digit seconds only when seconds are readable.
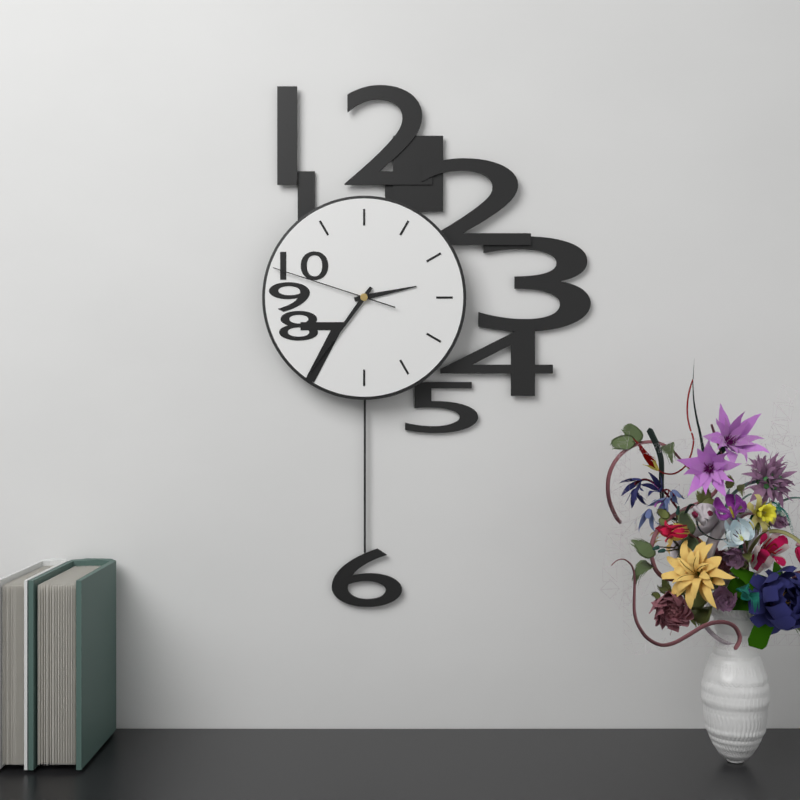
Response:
2.36.48
